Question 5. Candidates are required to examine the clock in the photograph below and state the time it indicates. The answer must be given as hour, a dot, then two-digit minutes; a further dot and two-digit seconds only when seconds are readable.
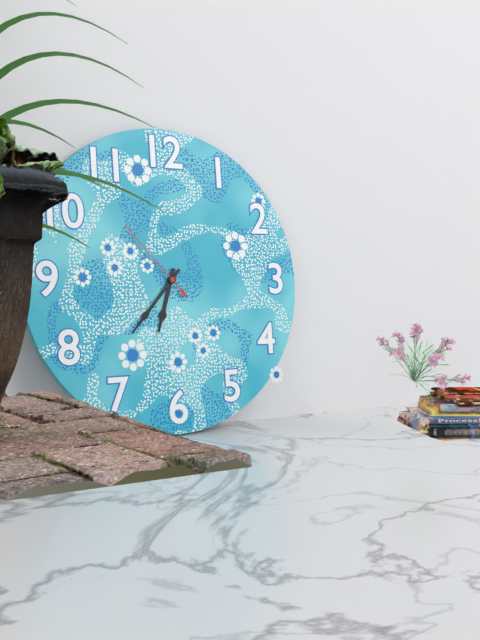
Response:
6.37.53
